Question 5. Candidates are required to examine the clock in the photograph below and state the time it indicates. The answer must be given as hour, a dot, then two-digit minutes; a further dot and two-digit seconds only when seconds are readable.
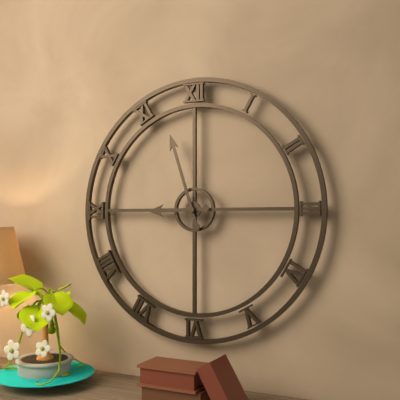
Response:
8.57
